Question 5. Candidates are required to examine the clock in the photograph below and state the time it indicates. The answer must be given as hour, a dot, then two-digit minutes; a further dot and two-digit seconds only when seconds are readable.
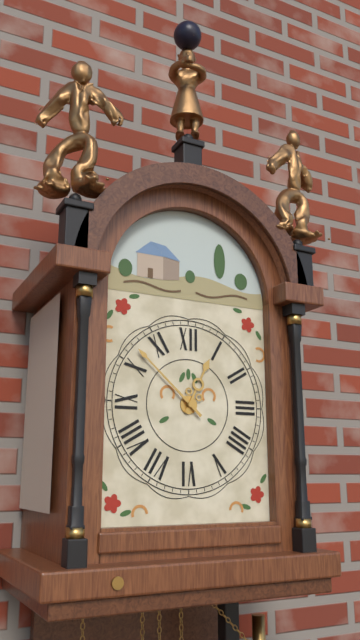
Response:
12.52
